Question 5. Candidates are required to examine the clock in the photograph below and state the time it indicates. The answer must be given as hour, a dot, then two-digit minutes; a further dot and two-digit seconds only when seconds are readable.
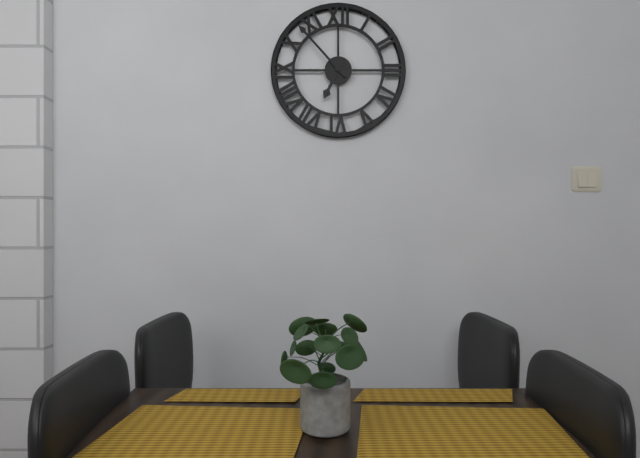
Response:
6.53
